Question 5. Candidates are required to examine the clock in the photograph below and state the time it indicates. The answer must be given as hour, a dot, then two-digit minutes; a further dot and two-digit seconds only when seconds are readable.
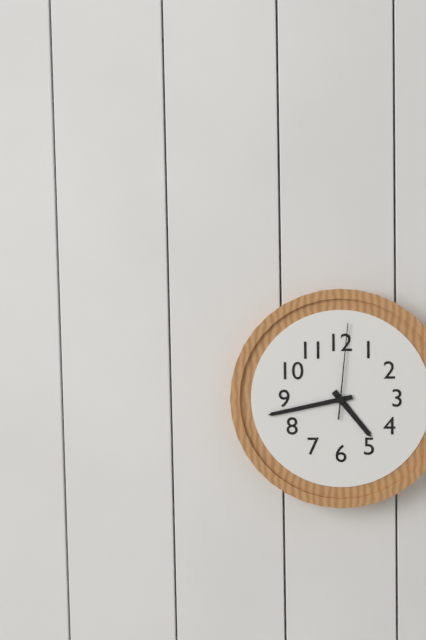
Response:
4.43.01
